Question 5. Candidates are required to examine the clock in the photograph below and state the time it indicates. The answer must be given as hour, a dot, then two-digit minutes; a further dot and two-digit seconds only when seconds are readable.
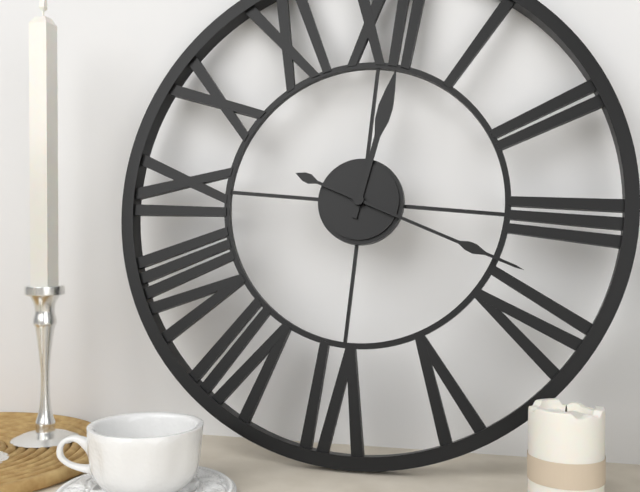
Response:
12.18
